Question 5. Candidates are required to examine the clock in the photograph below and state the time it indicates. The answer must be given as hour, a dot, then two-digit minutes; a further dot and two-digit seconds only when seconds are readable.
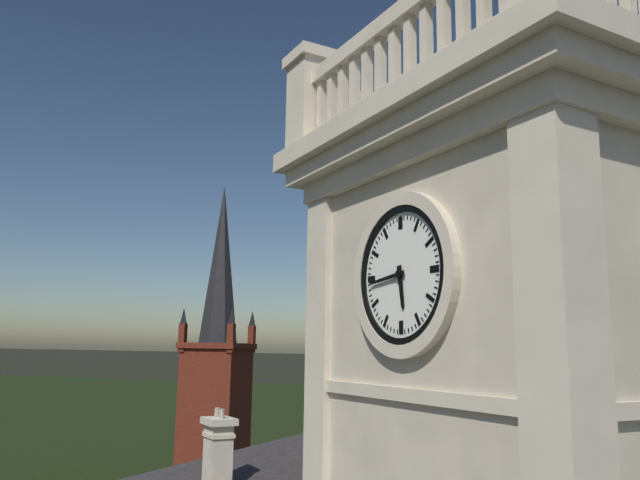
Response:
5.44
